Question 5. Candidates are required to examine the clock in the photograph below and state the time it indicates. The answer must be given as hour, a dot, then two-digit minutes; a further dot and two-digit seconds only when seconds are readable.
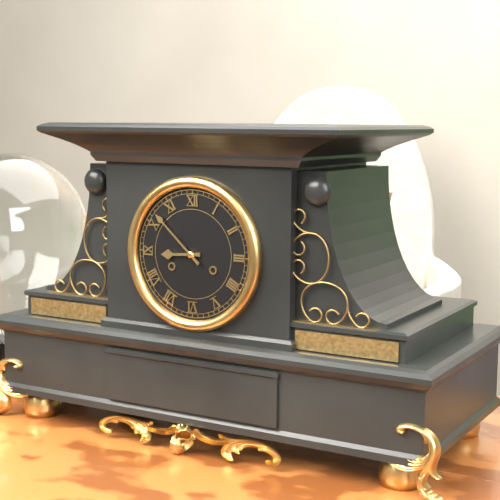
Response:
8.52
